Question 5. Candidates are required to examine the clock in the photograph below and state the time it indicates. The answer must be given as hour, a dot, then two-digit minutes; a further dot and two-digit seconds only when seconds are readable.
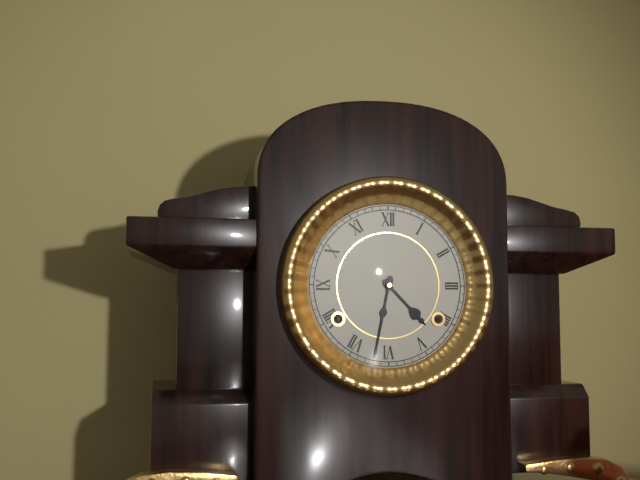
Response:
4.32
